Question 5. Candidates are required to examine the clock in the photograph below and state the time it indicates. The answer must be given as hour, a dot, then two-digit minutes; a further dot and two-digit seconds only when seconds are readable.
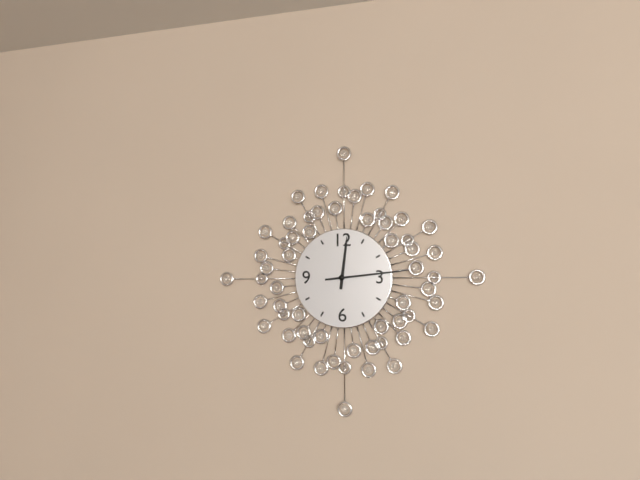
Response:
12.14
